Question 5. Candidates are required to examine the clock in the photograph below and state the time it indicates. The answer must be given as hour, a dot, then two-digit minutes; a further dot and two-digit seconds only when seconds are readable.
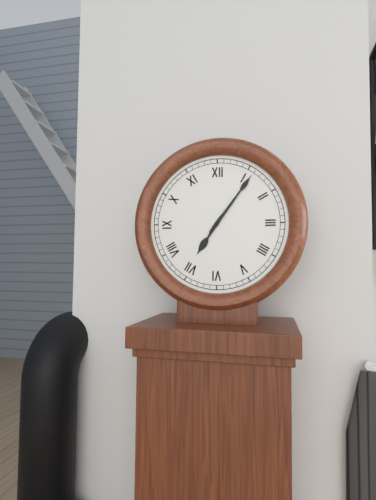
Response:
7.06
